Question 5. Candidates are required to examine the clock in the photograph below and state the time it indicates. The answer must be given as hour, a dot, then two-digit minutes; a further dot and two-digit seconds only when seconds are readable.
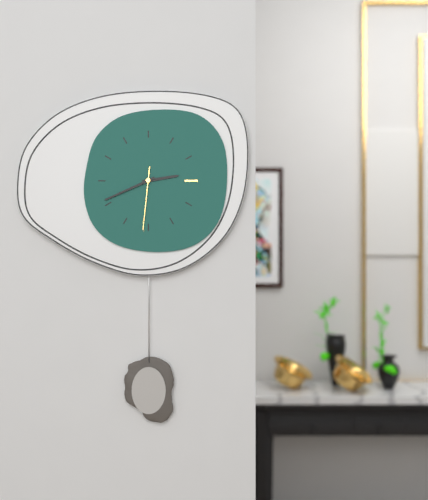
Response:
2.41.31
